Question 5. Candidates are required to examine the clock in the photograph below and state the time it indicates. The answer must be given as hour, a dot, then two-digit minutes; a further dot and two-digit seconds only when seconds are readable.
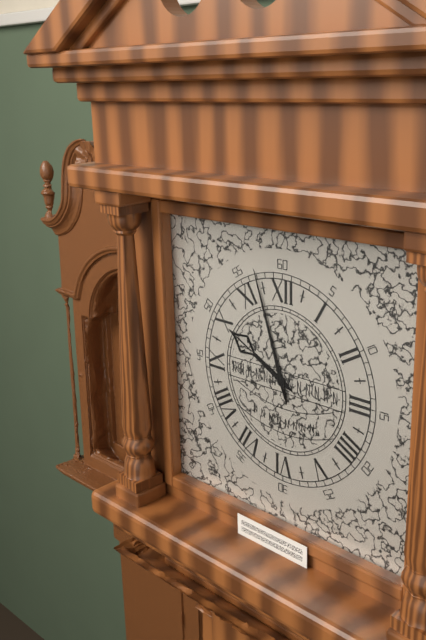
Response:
9.57
